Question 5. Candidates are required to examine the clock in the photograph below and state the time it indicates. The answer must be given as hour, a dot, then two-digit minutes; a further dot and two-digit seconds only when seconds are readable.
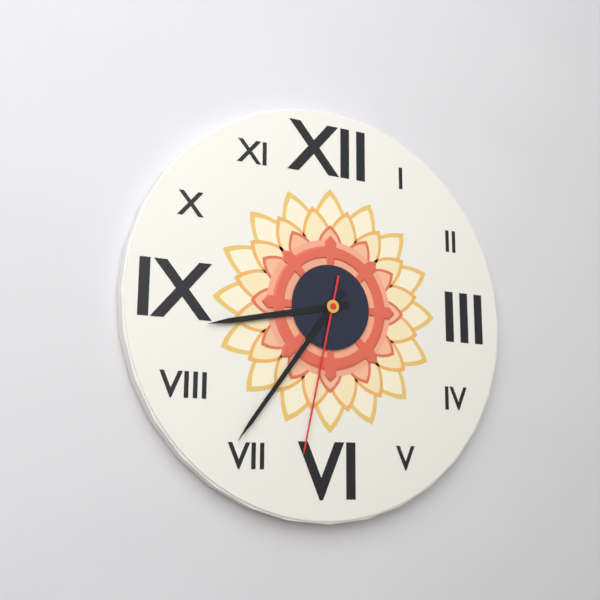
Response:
8.36.32
